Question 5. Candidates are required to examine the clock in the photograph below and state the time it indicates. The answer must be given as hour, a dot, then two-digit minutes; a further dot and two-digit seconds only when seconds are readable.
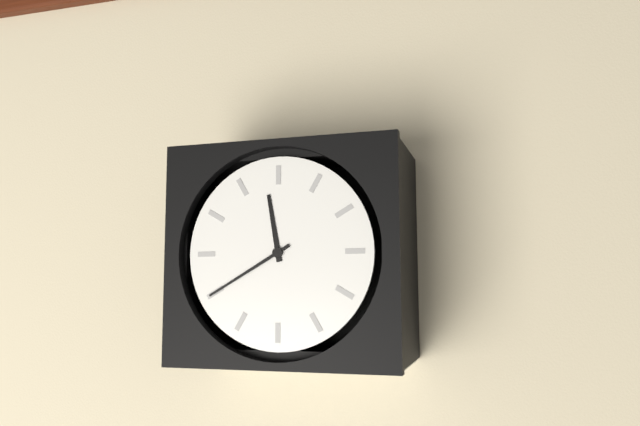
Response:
11.40
